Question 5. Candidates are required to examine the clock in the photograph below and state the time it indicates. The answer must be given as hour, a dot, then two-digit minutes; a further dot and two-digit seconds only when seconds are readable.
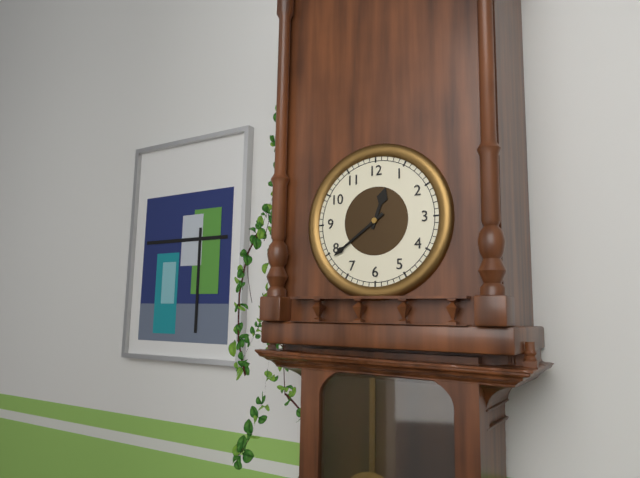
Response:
12.39
